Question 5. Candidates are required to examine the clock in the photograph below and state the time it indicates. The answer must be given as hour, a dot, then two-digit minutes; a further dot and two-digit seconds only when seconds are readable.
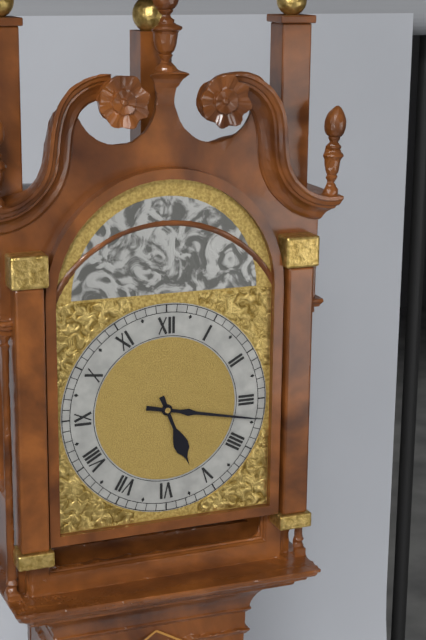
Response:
5.17
